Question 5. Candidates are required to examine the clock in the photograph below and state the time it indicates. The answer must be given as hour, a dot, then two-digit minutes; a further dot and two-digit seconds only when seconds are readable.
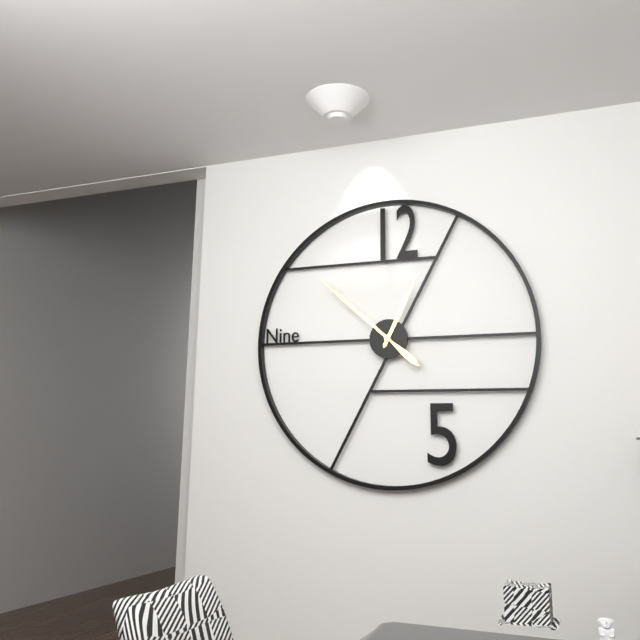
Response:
12.52
